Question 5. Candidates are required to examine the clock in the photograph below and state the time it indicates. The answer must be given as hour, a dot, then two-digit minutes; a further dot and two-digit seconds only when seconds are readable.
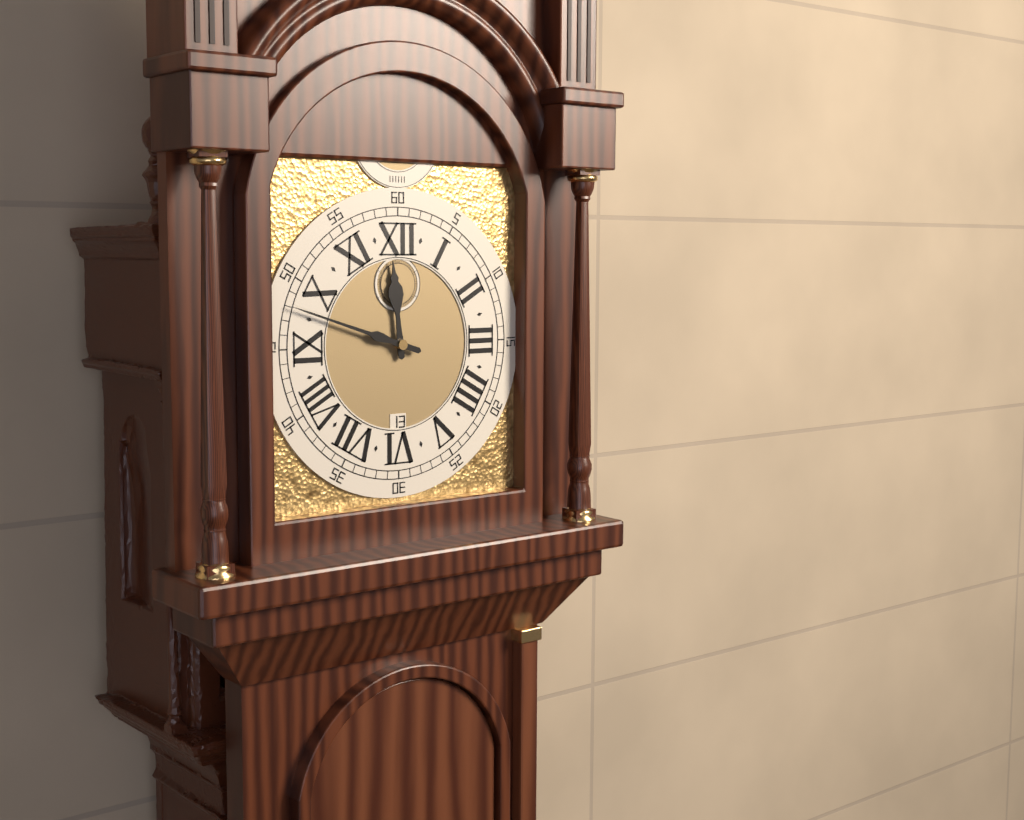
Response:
11.48
